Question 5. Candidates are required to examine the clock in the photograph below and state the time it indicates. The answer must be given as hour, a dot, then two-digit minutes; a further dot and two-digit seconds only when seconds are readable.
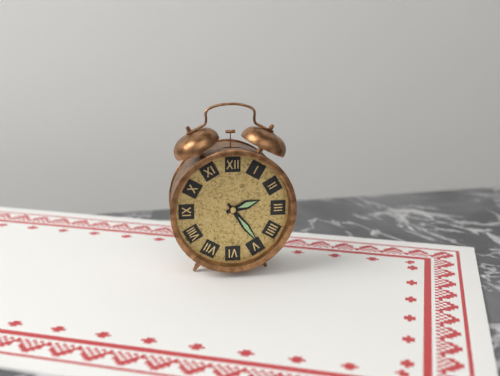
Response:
2.24
